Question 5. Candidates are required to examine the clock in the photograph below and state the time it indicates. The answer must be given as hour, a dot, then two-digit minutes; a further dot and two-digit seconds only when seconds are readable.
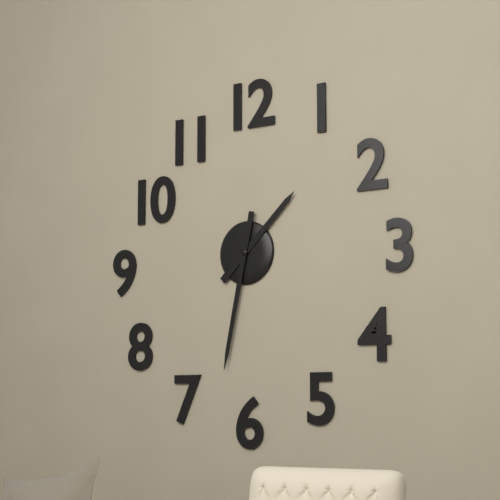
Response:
1.32
